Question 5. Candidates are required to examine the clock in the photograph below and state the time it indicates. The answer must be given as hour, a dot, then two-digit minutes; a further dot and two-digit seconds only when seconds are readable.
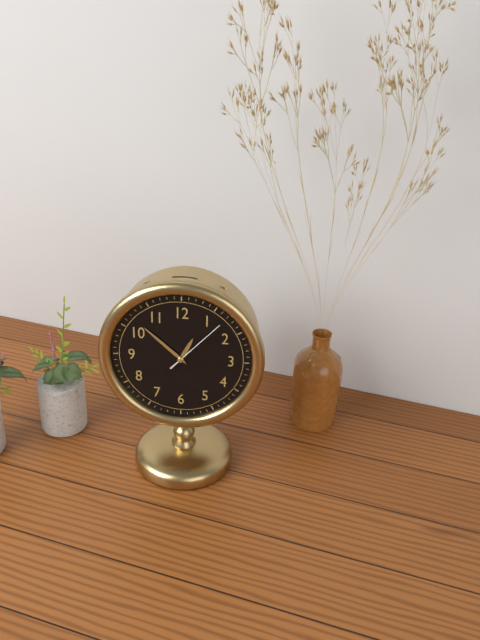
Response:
12.52.07
